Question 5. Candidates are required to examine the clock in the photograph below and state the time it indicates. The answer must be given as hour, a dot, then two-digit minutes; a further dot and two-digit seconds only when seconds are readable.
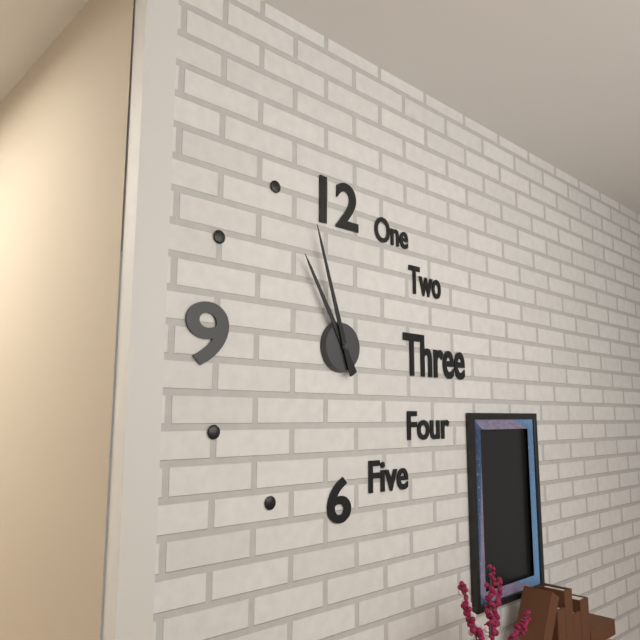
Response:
10.57
